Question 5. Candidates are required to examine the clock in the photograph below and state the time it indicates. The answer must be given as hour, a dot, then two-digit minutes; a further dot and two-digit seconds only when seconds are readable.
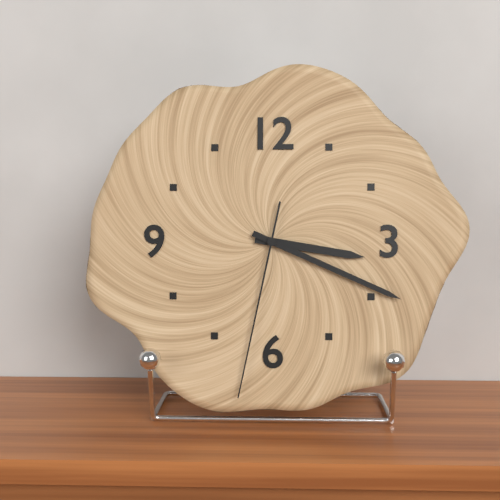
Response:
3.19.32
